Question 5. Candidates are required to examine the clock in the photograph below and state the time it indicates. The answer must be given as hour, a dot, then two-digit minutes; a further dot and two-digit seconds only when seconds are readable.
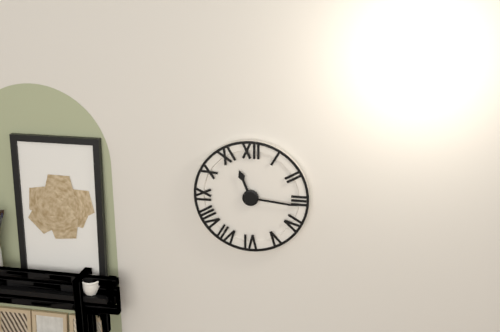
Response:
11.16
